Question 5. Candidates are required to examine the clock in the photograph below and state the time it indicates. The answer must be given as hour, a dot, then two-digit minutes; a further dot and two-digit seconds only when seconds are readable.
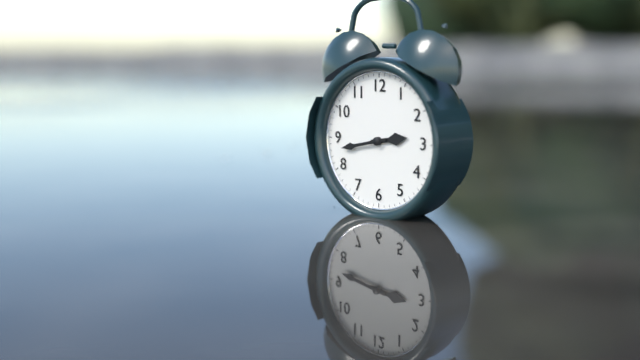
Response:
2.43
